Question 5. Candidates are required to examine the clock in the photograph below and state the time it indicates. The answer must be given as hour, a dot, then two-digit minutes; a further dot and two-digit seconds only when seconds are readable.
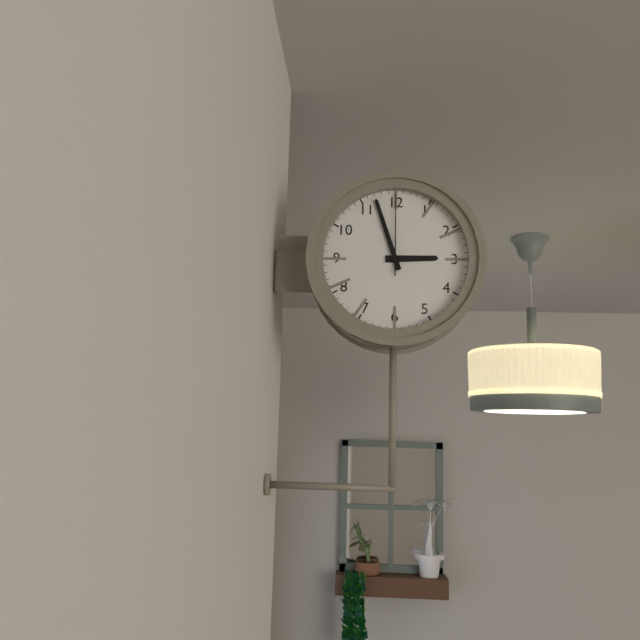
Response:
2.57.00
